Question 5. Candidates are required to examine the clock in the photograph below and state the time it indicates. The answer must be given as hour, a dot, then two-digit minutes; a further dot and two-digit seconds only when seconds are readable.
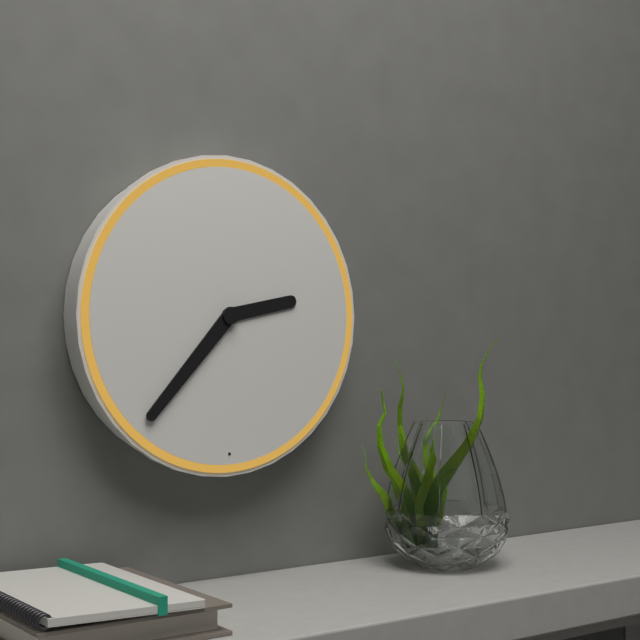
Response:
2.37
